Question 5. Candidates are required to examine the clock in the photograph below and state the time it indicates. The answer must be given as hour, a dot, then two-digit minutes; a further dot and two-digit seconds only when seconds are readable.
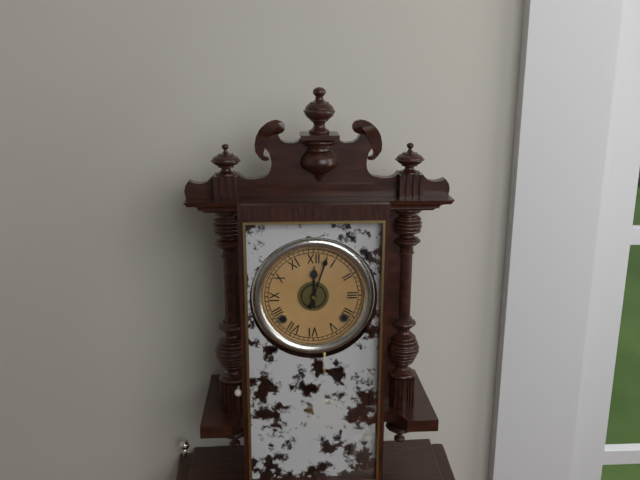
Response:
12.03
